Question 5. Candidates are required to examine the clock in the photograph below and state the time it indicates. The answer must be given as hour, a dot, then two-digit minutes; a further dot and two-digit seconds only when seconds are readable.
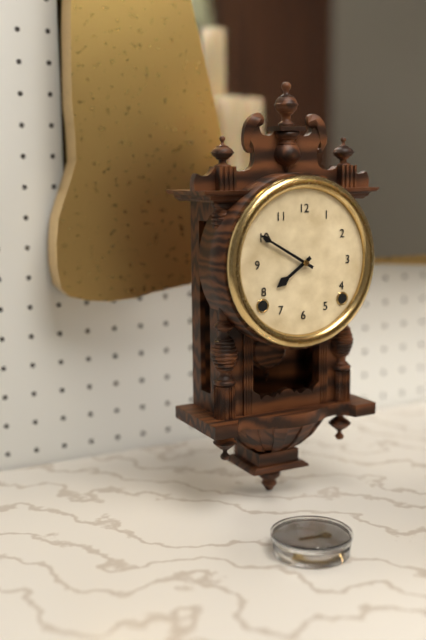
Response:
7.50
